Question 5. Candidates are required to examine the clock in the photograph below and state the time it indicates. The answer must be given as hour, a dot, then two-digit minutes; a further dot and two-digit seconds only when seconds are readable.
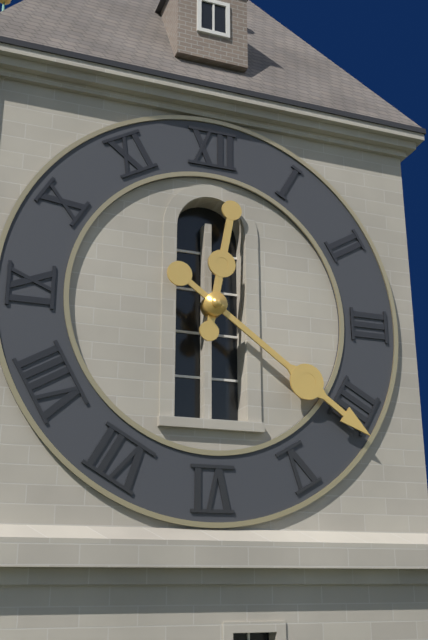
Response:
12.21
